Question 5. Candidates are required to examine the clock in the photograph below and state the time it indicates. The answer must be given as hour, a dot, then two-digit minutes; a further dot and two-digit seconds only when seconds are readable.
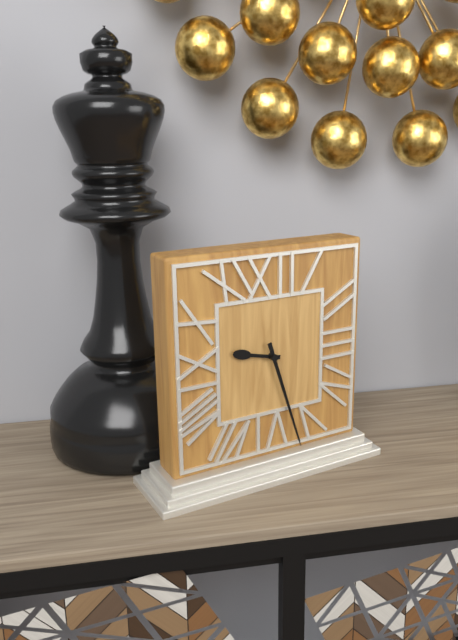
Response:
9.27
